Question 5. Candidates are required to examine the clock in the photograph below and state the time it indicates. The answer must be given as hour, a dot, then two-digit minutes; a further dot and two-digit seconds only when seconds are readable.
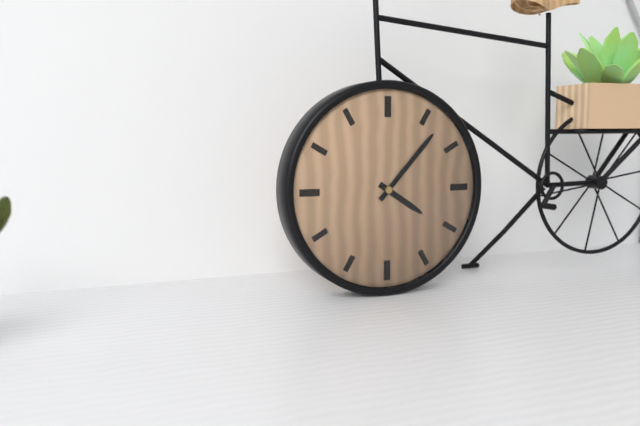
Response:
4.07
